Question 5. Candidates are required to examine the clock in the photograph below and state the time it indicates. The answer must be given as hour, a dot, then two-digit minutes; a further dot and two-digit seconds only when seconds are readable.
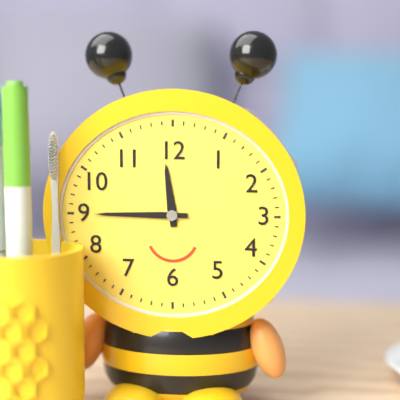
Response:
11.45
